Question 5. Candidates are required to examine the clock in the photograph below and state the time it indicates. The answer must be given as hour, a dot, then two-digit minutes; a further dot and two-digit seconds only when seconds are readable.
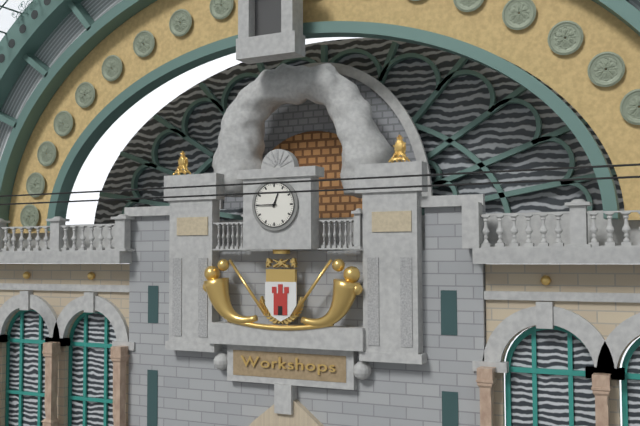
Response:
12.45
